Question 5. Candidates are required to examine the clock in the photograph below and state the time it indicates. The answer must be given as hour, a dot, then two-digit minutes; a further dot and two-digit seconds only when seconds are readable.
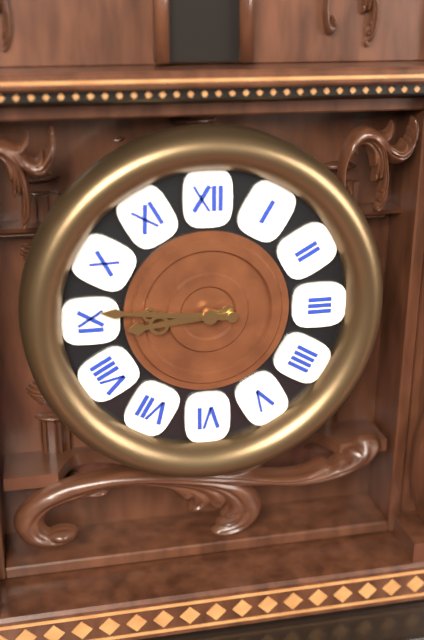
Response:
8.46
